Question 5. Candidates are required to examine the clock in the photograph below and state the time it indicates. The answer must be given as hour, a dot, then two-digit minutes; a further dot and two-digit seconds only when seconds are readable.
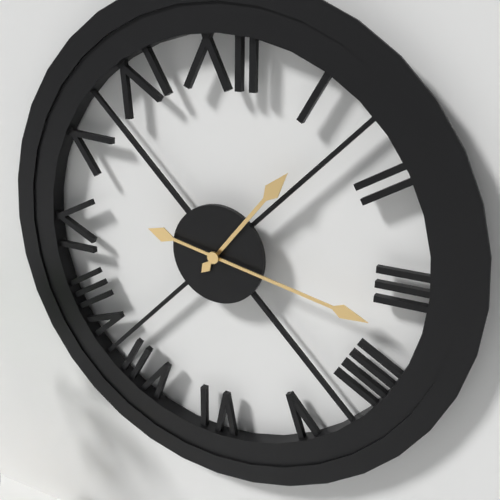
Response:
1.17
